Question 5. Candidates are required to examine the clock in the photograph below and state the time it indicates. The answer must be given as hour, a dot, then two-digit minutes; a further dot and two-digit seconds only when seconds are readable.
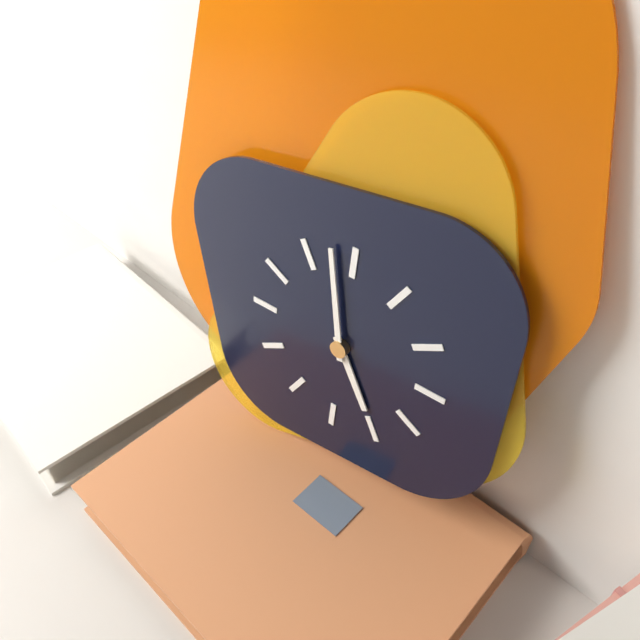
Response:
4.58
